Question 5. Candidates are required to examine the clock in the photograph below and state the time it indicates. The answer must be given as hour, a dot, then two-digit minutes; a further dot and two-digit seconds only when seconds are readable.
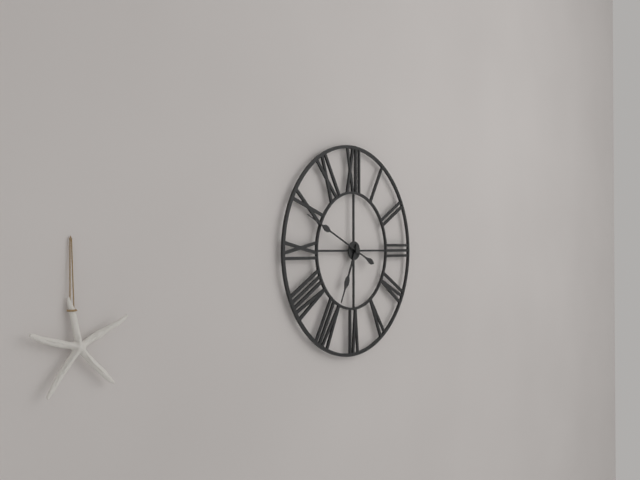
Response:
6.49
